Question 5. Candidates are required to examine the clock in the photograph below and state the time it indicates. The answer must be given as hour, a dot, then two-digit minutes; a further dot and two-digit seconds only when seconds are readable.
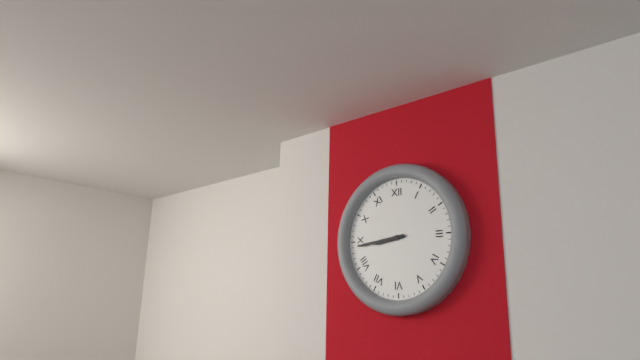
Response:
8.44
